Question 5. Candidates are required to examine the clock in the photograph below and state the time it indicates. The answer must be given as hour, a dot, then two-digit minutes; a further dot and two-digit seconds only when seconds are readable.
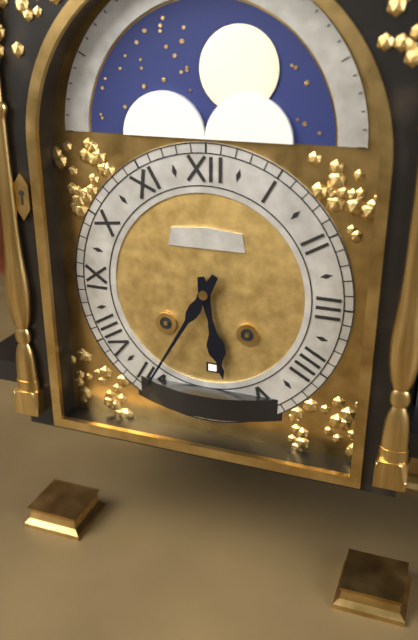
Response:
5.35
